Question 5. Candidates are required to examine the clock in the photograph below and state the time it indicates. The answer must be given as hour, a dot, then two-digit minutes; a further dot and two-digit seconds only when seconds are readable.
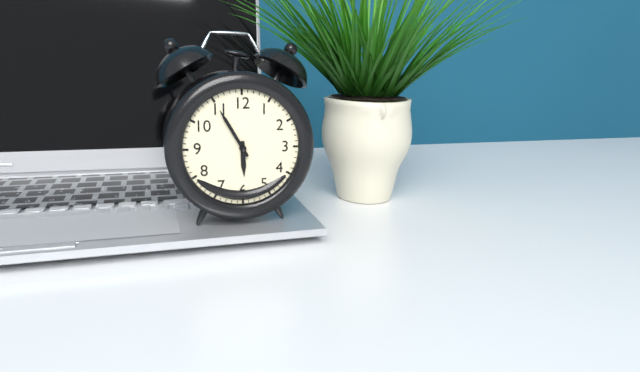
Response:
5.55
